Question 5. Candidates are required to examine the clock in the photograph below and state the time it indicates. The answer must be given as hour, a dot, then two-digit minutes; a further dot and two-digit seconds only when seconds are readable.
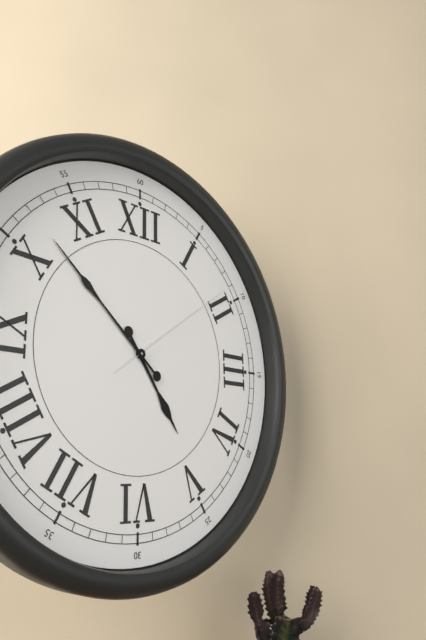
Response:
4.52.09
